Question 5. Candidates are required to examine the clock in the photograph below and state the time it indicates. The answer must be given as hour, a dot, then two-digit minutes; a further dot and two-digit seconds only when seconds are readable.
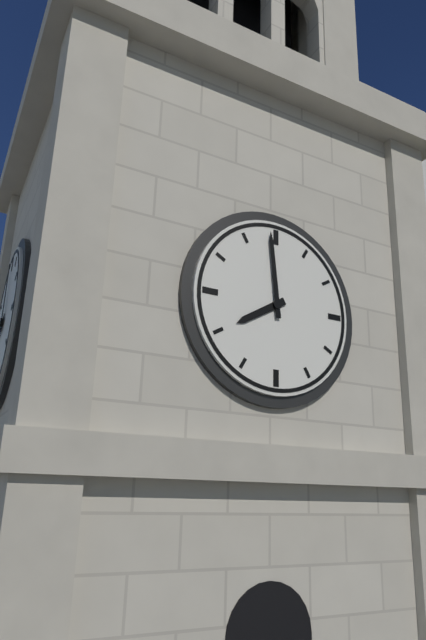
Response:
7.59
